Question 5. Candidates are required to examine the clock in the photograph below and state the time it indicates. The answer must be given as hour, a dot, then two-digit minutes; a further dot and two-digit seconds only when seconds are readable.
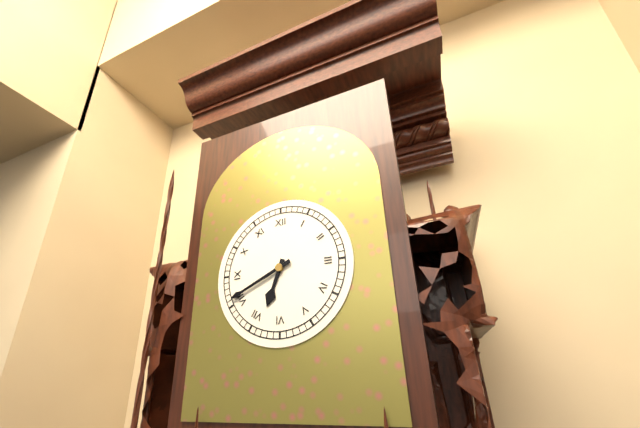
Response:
6.41
